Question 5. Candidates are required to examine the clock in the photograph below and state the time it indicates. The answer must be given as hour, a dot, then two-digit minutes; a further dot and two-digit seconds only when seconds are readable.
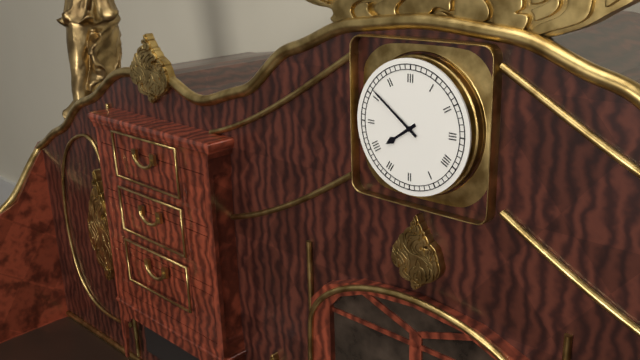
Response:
7.51
